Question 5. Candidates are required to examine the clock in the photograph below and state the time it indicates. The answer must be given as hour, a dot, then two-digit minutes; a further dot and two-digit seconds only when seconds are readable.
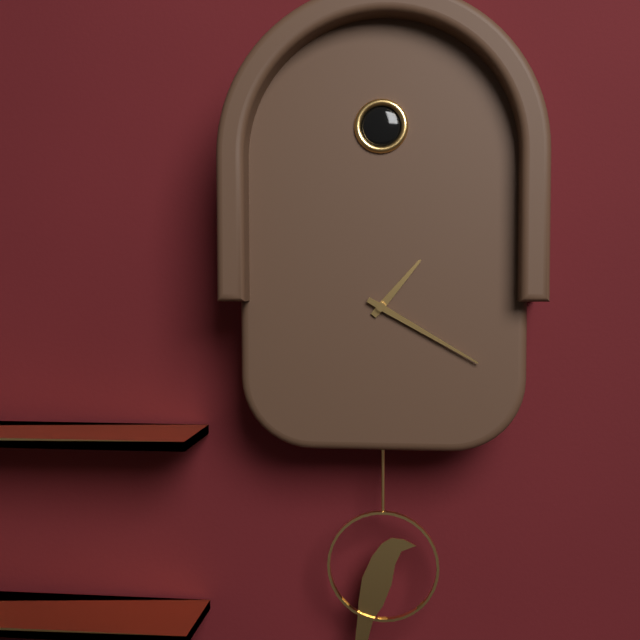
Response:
1.20
